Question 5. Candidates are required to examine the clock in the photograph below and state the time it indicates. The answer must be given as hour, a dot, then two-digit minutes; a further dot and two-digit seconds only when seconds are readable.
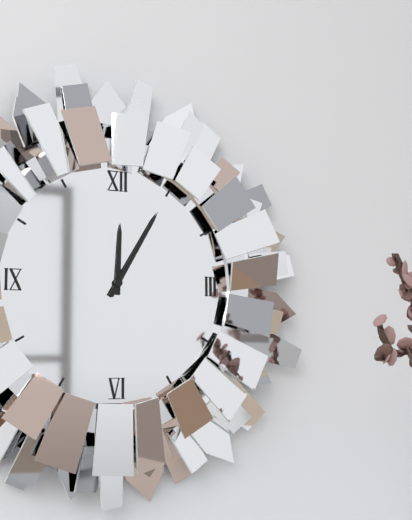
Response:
12.05
